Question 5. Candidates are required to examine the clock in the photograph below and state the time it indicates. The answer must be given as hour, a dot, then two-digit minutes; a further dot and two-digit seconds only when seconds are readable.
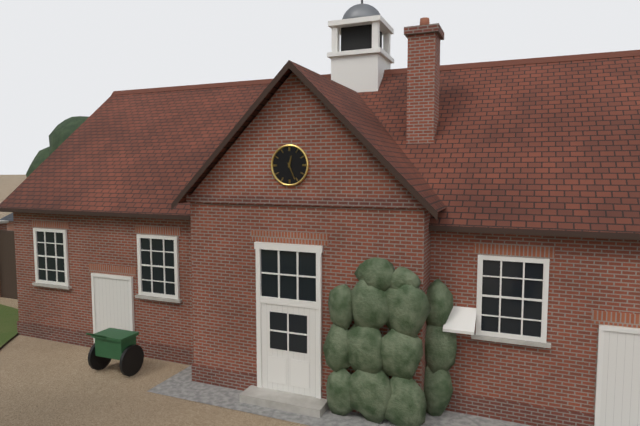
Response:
12.26
